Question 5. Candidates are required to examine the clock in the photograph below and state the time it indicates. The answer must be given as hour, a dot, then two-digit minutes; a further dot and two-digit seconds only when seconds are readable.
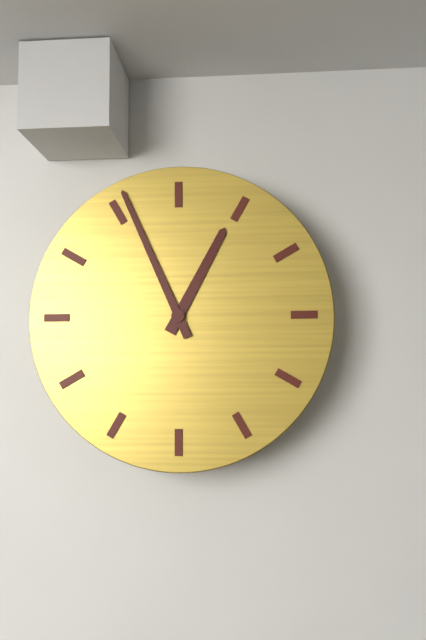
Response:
12.56
